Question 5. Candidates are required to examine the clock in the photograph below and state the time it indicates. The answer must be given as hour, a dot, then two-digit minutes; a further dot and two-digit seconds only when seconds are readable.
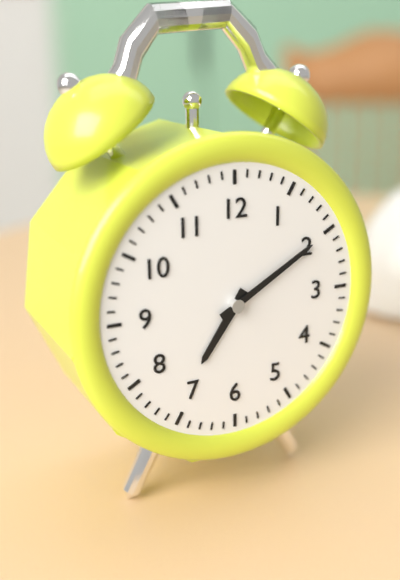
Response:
7.10
